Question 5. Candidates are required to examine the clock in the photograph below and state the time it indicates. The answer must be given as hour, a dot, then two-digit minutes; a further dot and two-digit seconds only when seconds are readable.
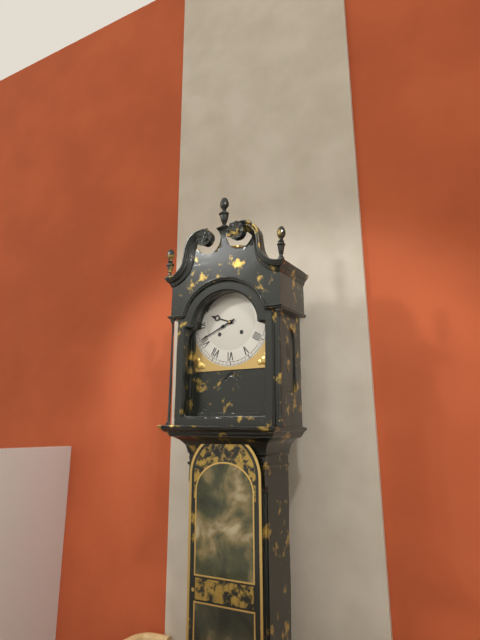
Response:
9.41
